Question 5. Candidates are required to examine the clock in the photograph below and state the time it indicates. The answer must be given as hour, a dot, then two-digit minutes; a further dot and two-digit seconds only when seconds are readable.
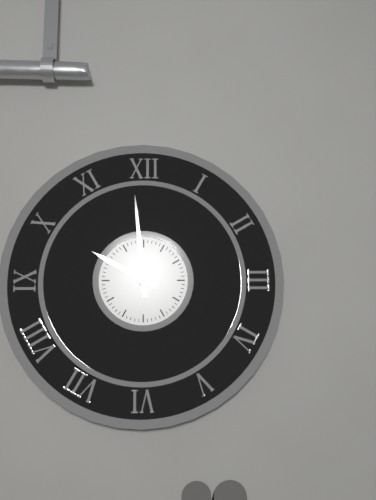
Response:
9.59
